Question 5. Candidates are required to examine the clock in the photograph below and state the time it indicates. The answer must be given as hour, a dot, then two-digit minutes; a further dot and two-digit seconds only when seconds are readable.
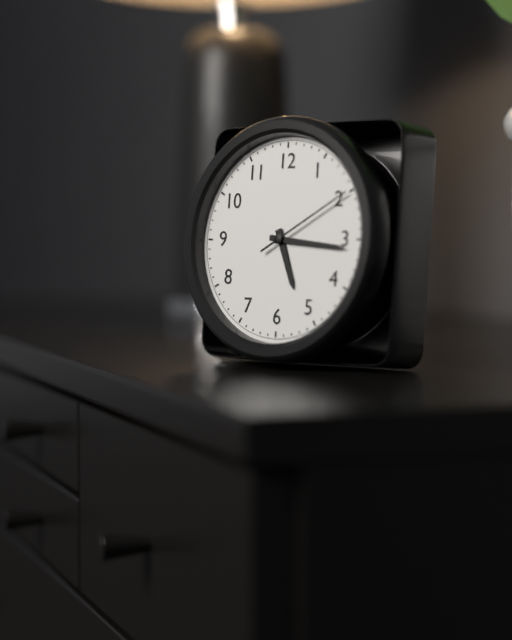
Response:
5.16.10
